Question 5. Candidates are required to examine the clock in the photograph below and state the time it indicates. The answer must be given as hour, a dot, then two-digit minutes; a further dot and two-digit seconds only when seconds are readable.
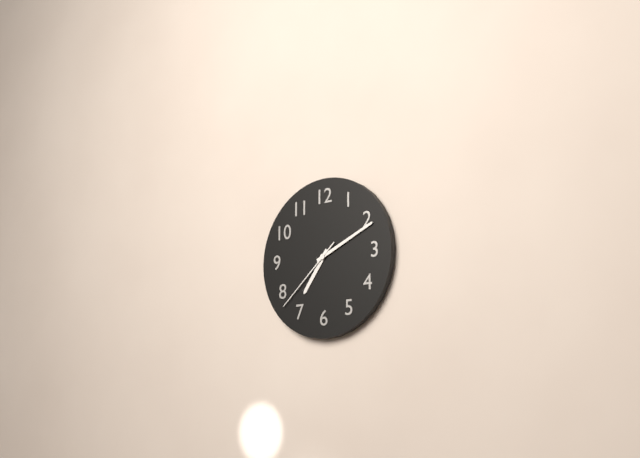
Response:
7.11.38
